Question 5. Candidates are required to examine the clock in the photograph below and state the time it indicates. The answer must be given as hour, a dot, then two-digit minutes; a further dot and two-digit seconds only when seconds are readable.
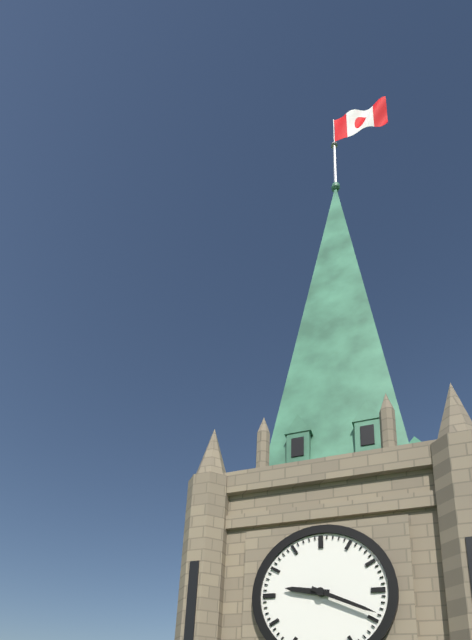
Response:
9.19
